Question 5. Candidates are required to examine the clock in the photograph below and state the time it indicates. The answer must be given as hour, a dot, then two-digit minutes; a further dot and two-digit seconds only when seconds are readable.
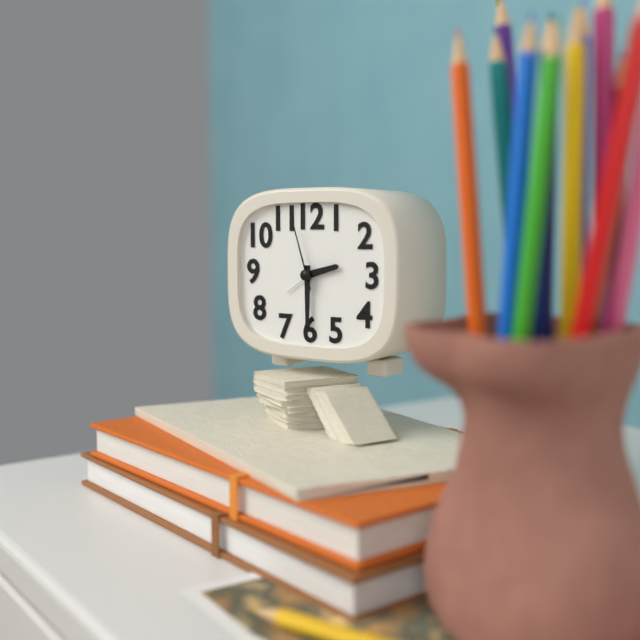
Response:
2.30.57
